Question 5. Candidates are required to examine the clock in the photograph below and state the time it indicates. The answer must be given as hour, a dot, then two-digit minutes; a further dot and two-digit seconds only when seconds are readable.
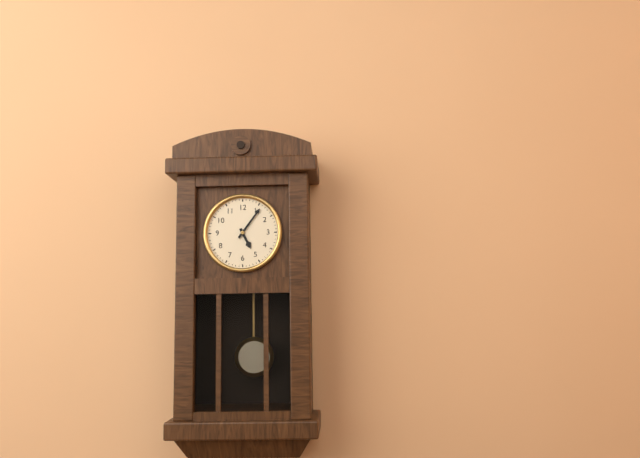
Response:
5.06
